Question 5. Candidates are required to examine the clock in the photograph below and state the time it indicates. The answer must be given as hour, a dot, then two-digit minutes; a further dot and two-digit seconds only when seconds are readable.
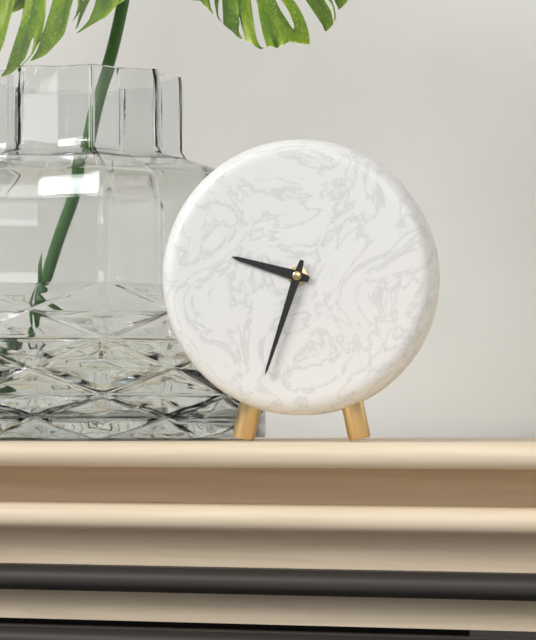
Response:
9.33
